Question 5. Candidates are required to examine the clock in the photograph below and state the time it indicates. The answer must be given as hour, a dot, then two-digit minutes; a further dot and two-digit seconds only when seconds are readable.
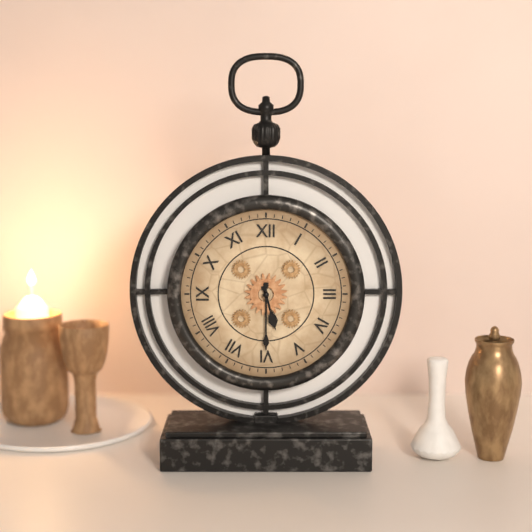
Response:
5.30
